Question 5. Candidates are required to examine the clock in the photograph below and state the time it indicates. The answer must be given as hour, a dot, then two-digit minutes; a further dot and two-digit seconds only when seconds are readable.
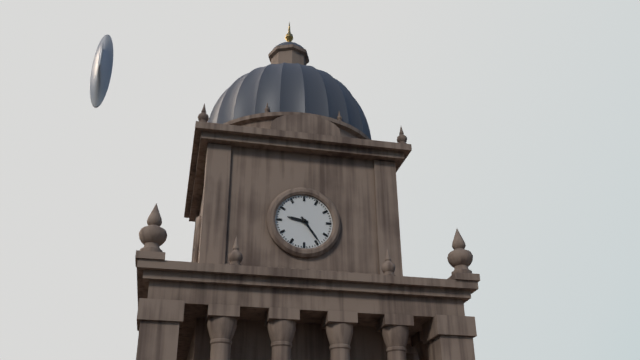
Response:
9.24
